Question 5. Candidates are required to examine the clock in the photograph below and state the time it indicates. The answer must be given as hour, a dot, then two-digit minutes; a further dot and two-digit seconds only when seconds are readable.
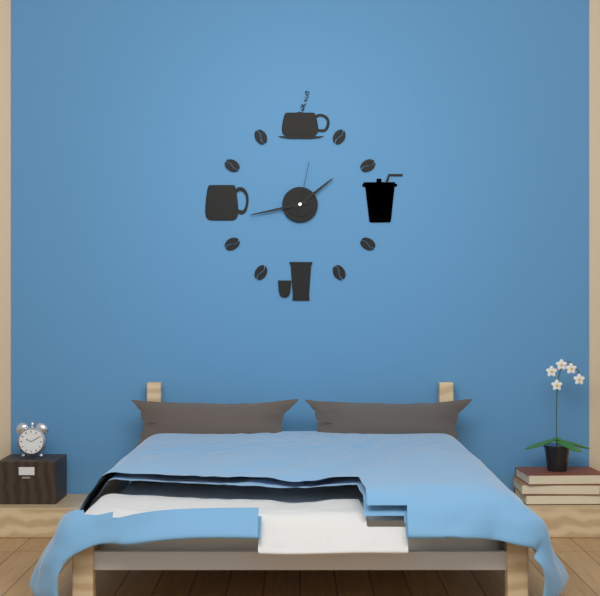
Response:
1.43.02
